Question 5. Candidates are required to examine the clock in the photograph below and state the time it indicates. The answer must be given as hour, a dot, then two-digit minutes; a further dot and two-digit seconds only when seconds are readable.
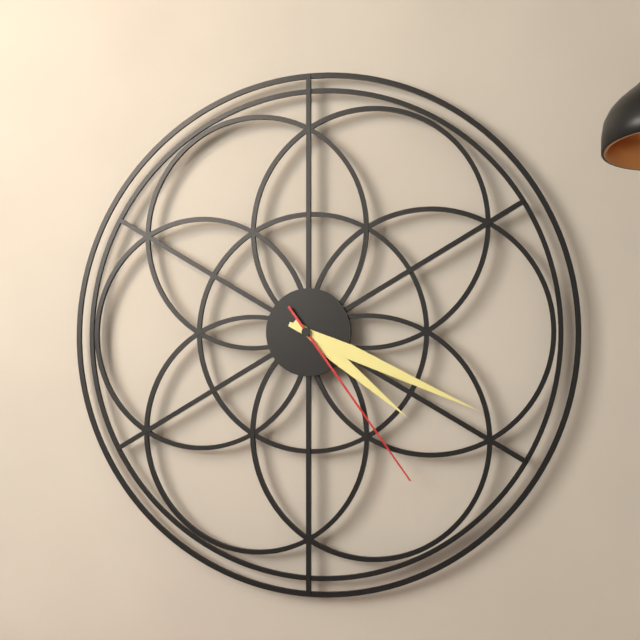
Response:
4.19.24
